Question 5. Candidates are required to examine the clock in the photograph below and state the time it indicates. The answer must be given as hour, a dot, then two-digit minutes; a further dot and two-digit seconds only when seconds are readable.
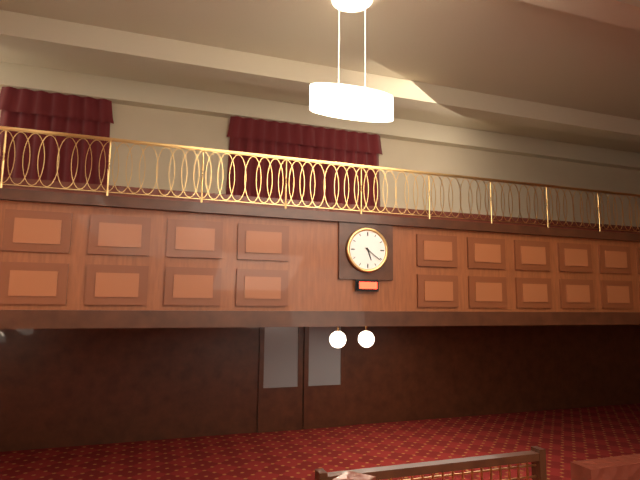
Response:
5.21
